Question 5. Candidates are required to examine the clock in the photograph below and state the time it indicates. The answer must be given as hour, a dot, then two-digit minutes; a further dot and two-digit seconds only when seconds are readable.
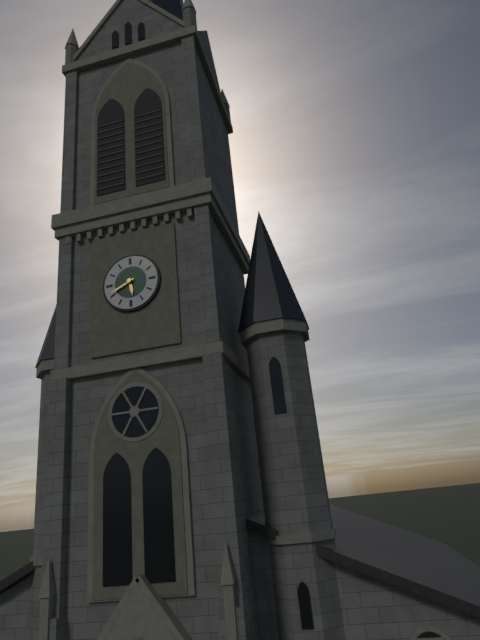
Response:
5.41
